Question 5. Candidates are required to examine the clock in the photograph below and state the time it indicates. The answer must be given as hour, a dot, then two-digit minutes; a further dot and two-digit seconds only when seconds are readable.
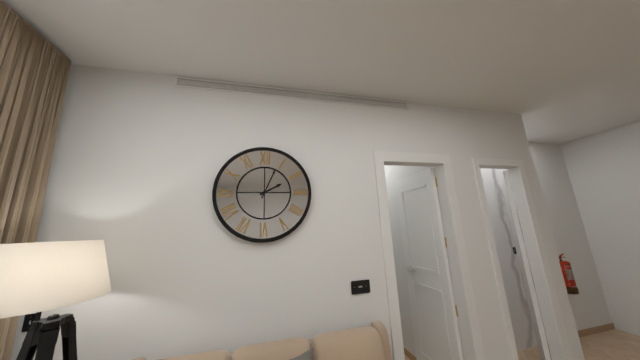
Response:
2.04
